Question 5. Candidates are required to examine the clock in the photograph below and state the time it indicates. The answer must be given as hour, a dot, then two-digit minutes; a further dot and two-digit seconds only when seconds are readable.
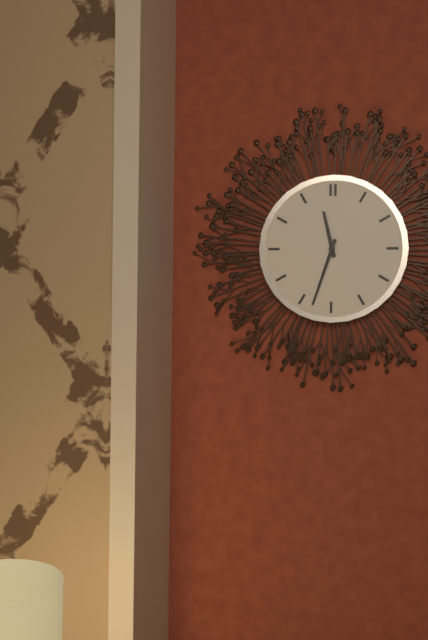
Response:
11.33
